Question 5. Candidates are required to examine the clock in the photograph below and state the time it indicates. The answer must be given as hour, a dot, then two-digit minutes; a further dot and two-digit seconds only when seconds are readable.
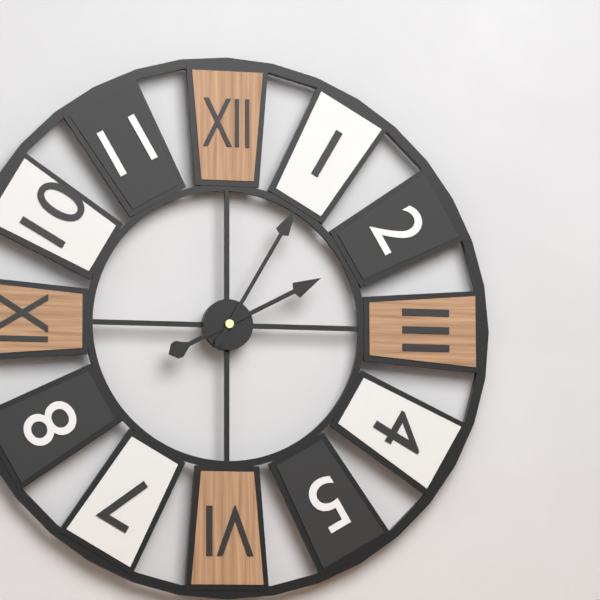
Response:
2.05
